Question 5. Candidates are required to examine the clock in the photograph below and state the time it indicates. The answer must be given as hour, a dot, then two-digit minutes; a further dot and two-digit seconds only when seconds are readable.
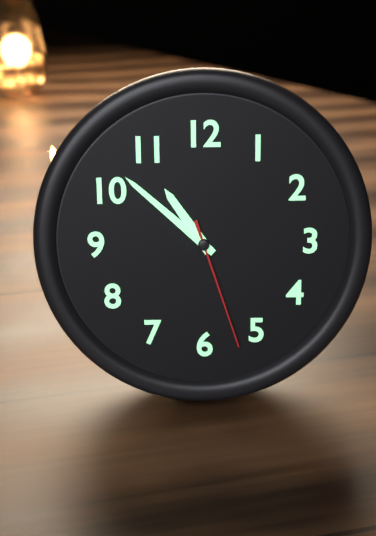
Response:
10.52.27
